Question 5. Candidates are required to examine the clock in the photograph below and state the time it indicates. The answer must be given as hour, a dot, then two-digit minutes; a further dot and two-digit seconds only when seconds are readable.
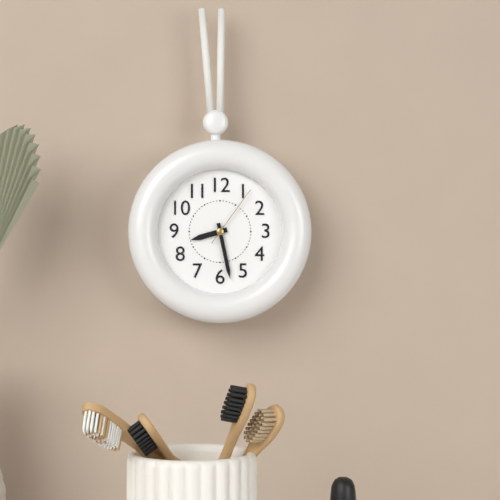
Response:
8.28.06
